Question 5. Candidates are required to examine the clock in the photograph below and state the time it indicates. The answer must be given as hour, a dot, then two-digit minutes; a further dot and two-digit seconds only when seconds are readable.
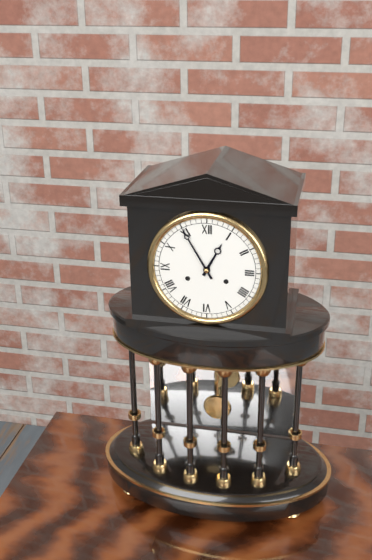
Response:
12.55
